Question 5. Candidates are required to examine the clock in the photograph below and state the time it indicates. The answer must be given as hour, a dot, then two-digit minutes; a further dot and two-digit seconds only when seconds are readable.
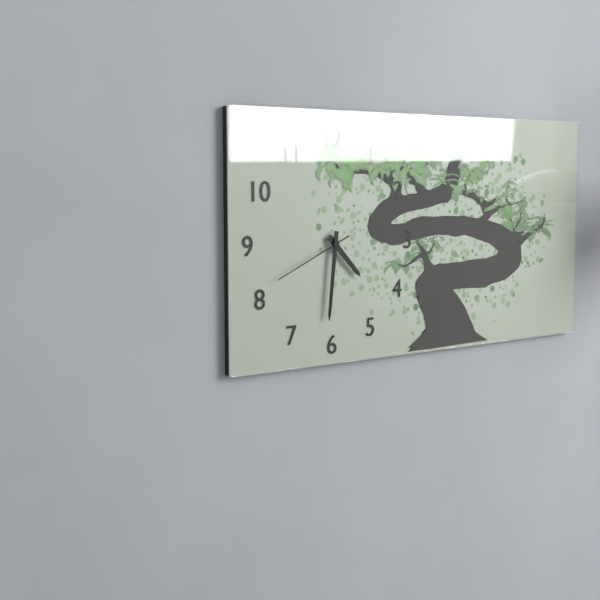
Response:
4.31.41
